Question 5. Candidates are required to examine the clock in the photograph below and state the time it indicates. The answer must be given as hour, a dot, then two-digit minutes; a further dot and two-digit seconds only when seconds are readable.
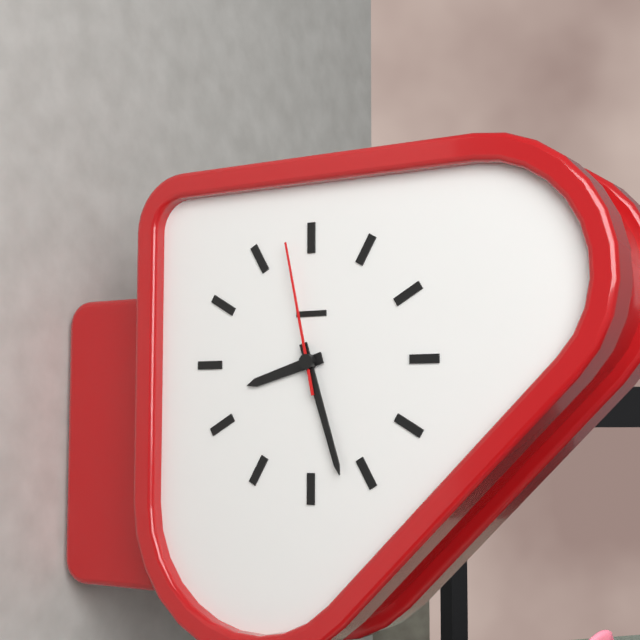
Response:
8.27.58
